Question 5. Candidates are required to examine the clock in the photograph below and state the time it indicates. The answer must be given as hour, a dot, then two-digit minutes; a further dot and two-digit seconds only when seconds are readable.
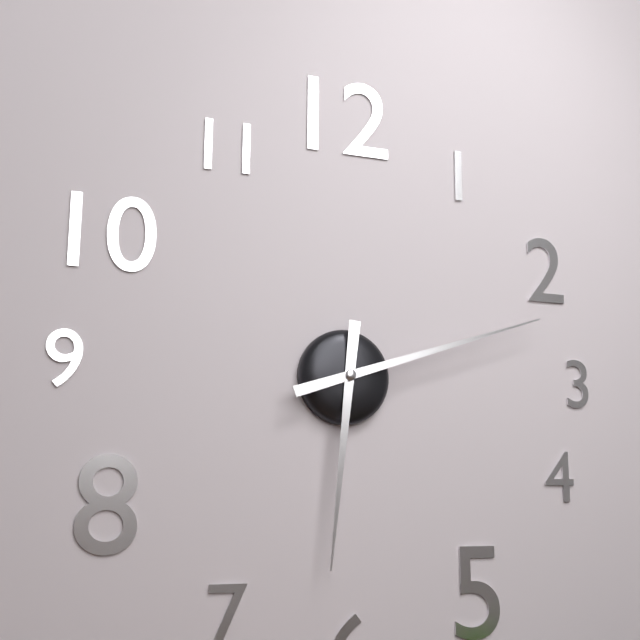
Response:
6.12
